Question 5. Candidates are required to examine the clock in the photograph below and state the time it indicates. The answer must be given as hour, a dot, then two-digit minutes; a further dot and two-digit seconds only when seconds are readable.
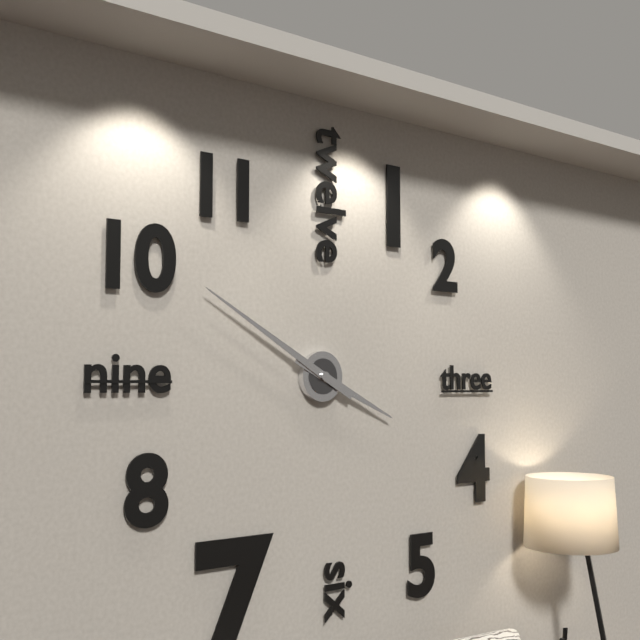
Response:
3.50
